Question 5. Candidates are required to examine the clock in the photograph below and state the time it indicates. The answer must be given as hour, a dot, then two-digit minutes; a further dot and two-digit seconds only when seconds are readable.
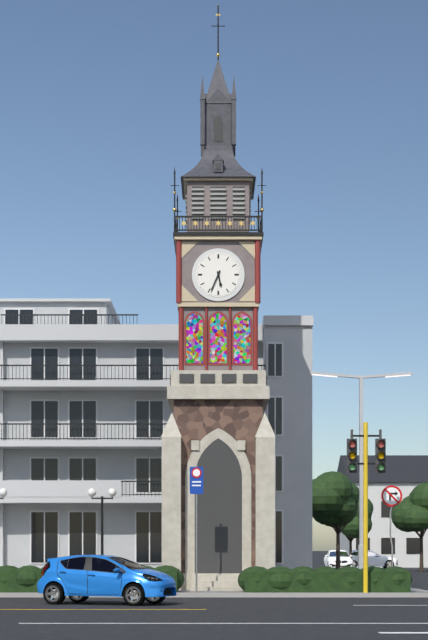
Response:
5.34
